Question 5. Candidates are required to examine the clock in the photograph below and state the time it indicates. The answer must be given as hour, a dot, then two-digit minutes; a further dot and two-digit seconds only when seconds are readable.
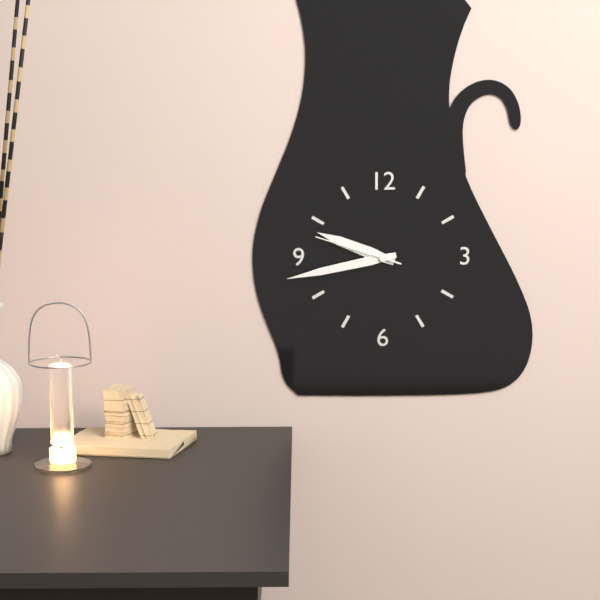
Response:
9.43.48
